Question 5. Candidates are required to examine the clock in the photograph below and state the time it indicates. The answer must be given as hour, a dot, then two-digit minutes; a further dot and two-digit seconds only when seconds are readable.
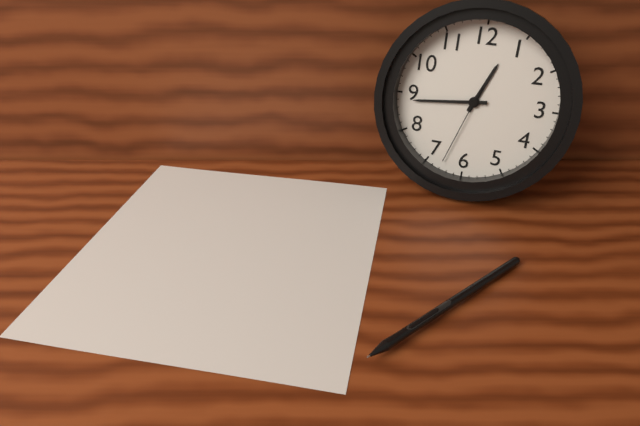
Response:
12.44.33
